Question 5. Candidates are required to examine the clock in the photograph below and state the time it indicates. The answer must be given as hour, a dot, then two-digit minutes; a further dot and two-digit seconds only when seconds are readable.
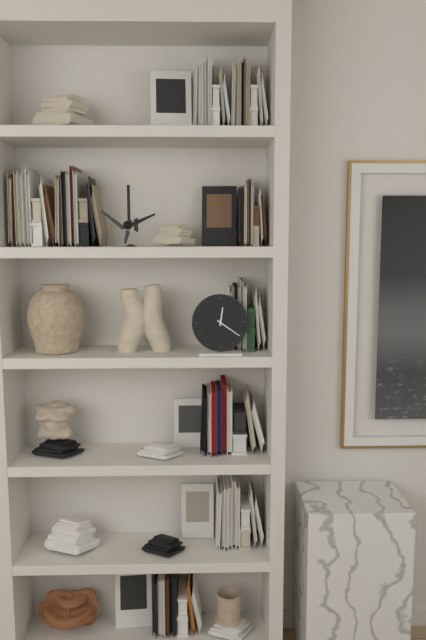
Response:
12.21
